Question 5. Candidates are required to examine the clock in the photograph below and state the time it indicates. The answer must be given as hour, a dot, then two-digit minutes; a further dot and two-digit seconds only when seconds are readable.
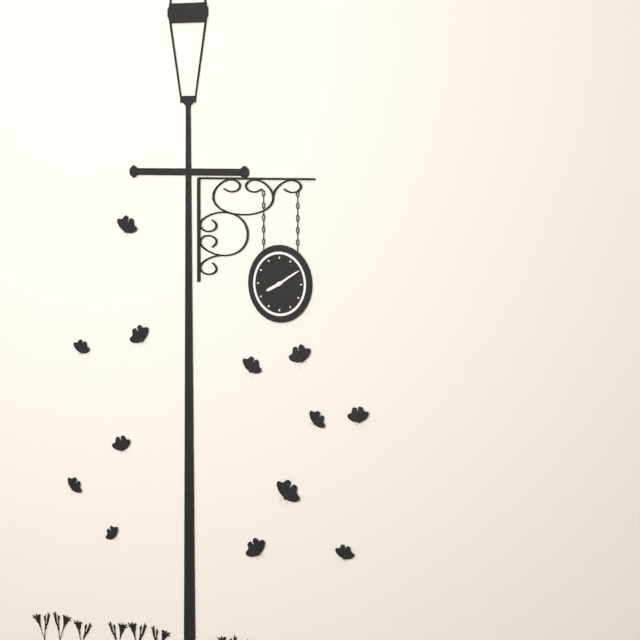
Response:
8.10
